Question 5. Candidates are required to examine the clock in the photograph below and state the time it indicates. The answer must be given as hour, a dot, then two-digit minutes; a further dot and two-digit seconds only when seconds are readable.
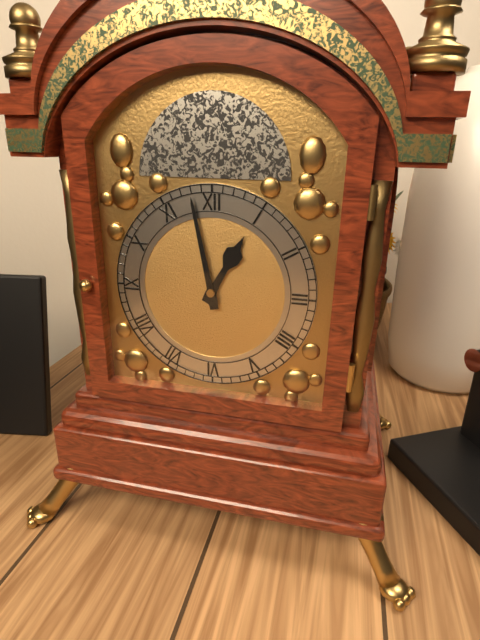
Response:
12.58
